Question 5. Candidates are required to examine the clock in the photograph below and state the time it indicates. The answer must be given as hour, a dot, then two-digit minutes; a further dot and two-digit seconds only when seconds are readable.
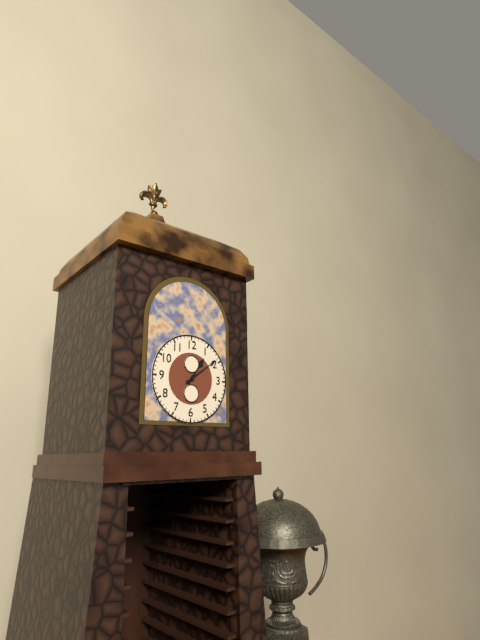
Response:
1.09
